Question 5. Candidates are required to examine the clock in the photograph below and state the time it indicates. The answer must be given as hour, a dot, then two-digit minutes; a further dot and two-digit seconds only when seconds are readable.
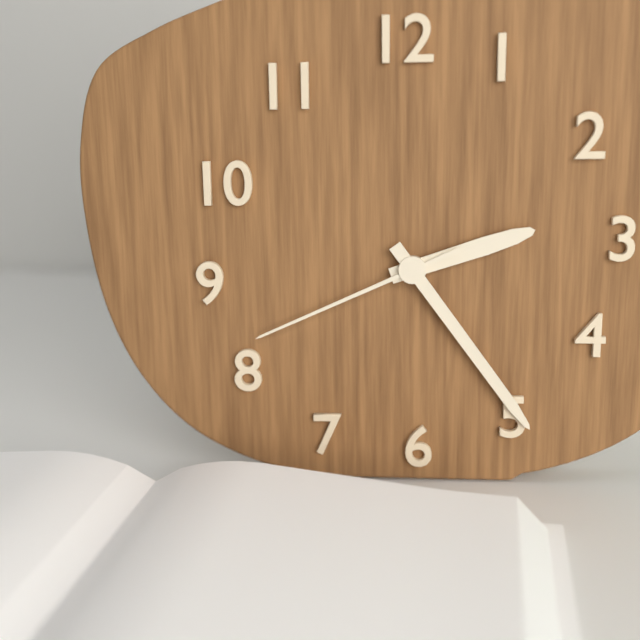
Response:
2.24.41
